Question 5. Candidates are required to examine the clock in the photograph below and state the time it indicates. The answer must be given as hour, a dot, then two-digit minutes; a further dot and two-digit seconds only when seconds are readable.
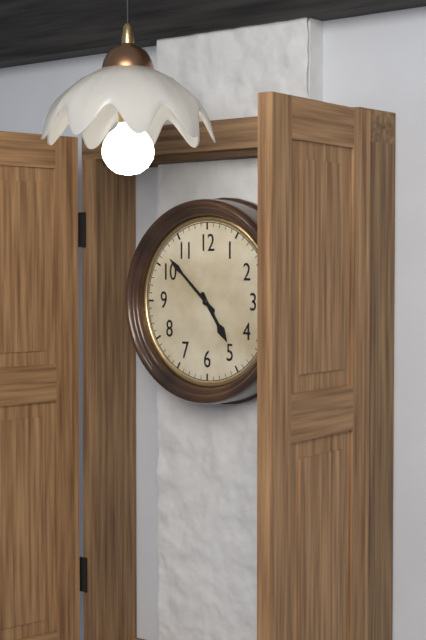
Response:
4.52
